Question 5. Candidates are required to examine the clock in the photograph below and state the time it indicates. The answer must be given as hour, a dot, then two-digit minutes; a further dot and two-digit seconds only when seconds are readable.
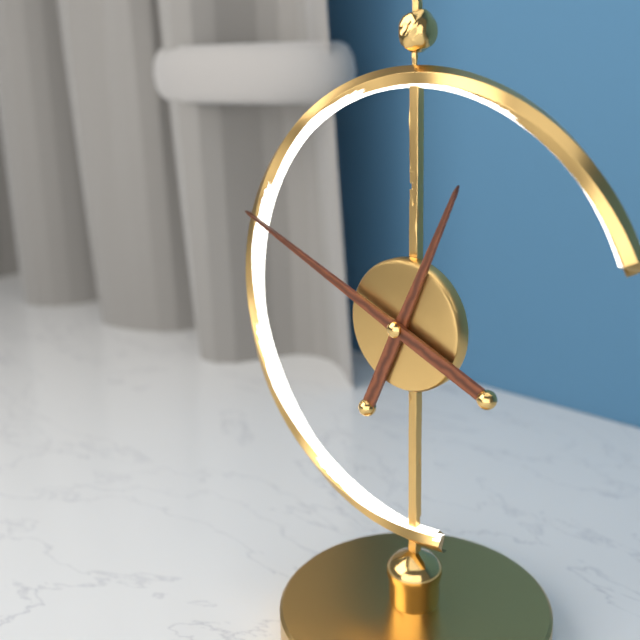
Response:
12.49
